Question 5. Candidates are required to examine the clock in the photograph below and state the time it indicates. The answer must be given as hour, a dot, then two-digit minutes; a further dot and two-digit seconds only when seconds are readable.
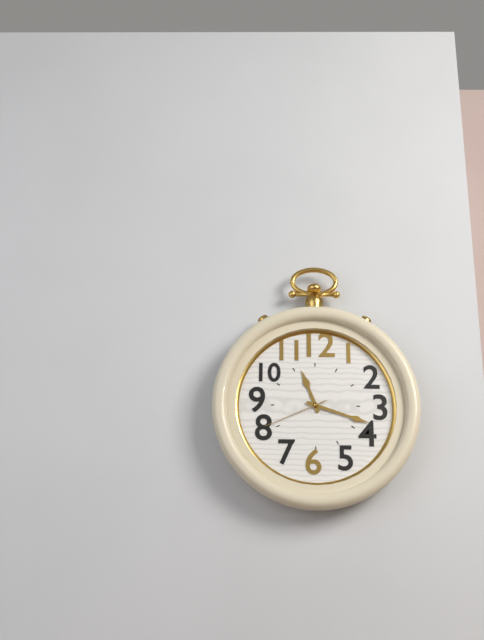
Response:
11.18.41
